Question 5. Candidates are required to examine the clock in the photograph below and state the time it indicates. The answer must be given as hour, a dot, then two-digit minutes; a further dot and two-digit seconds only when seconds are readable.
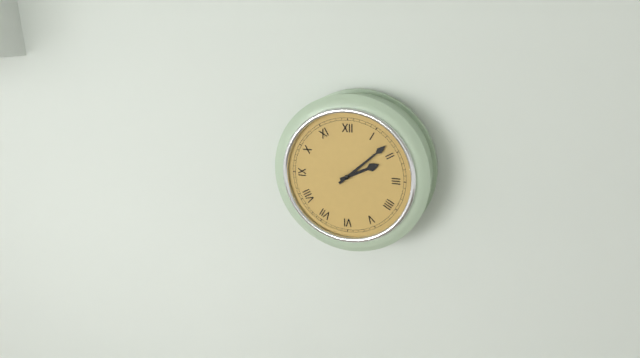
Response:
2.08
